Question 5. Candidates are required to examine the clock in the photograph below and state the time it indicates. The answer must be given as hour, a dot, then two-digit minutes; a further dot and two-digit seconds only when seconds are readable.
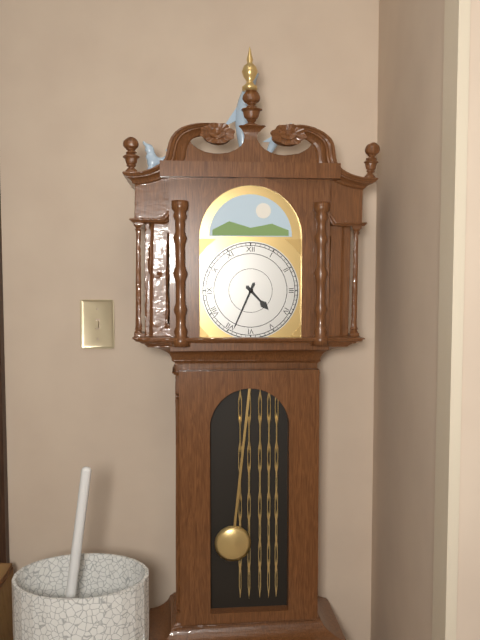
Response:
4.34
